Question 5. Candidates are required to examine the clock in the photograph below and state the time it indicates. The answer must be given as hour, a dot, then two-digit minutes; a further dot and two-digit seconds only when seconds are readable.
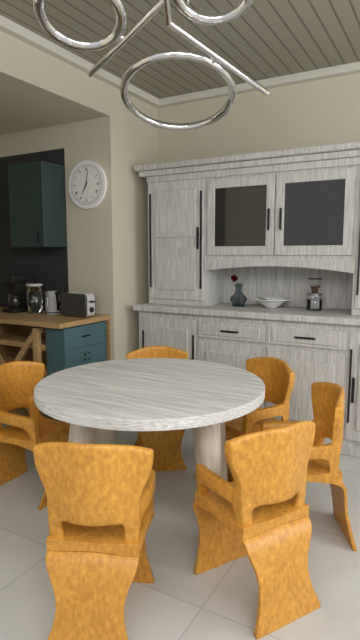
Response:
7.02
